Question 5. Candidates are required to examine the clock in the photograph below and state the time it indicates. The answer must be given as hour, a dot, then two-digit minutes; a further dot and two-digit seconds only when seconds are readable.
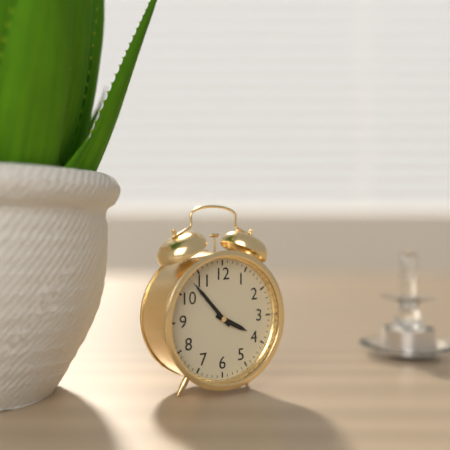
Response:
3.53
